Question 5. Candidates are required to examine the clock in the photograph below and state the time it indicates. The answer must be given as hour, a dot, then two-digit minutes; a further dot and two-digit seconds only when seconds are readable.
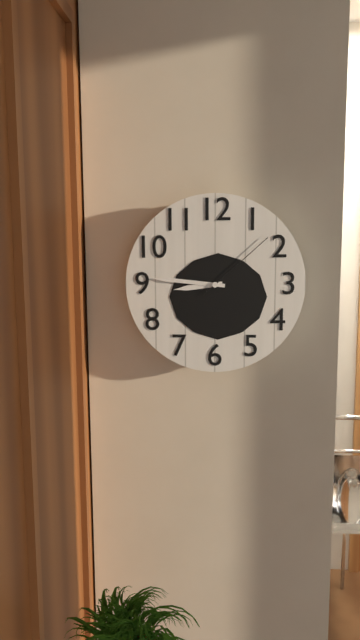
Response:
8.46.08
